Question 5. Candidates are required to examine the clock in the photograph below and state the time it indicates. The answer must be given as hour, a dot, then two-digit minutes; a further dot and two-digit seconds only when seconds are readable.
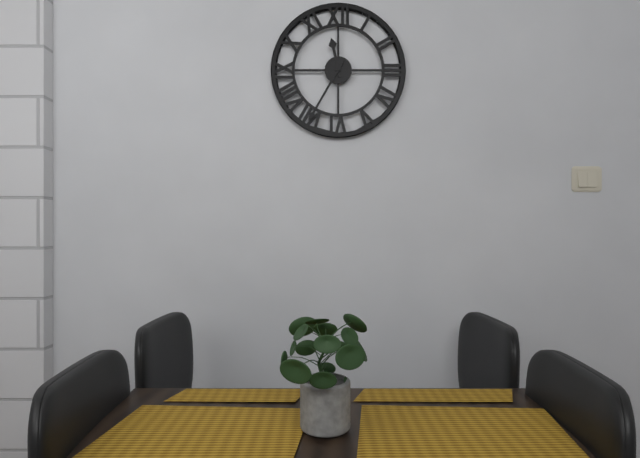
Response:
11.35
